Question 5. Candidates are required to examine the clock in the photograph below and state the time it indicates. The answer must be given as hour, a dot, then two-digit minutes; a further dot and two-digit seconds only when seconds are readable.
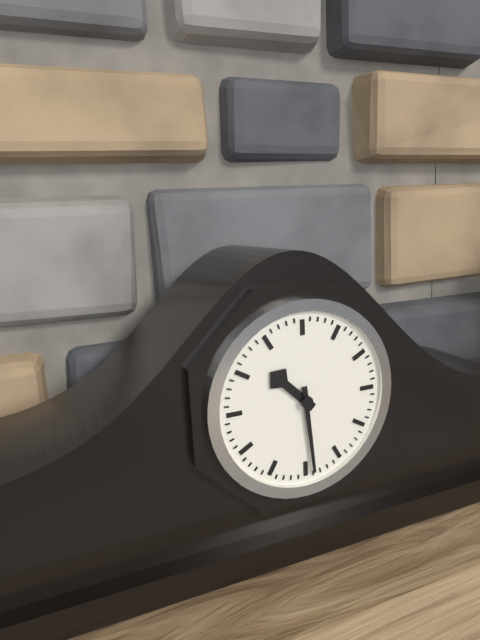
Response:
10.29
